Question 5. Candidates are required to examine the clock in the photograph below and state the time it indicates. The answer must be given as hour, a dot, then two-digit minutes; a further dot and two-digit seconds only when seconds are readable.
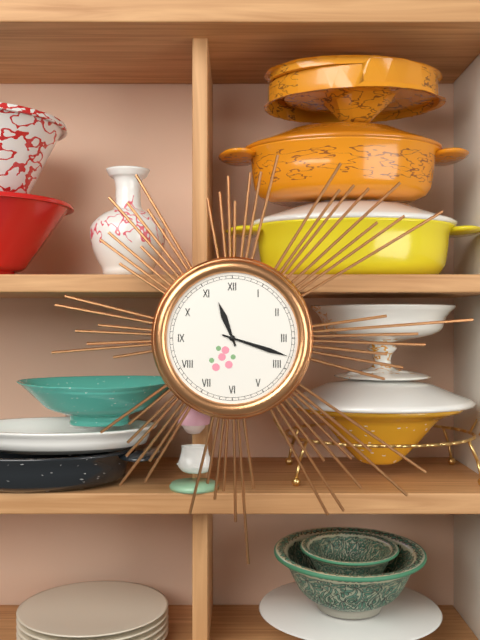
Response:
11.18
